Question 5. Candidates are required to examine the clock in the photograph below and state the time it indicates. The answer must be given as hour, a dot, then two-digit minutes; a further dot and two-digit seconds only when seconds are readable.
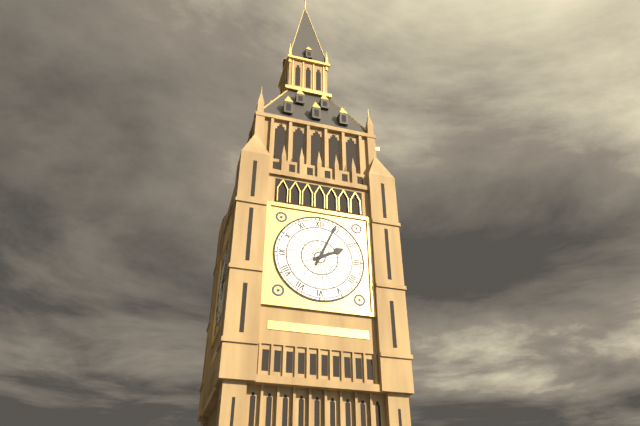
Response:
2.04
